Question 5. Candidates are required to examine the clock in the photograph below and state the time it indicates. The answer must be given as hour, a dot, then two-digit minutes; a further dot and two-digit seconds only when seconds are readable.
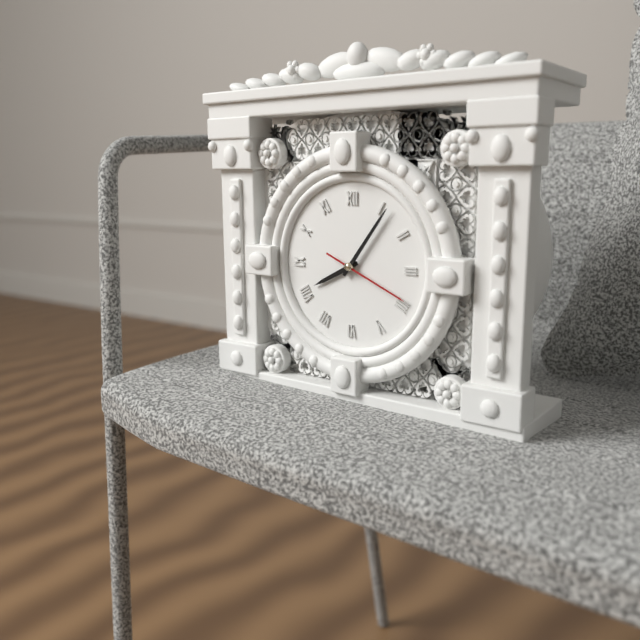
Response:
8.06.19
